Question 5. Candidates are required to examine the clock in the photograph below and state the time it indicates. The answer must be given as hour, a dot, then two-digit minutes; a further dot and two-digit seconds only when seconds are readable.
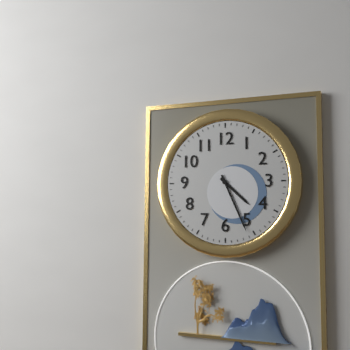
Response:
4.26
